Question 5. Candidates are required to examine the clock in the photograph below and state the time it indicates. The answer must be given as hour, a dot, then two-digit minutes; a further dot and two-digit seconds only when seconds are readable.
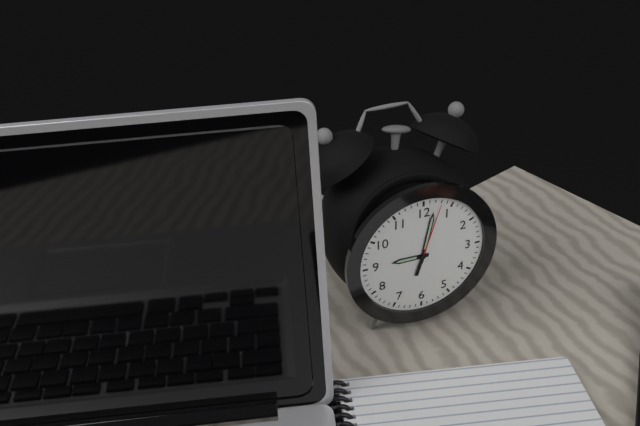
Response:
9.02.03
